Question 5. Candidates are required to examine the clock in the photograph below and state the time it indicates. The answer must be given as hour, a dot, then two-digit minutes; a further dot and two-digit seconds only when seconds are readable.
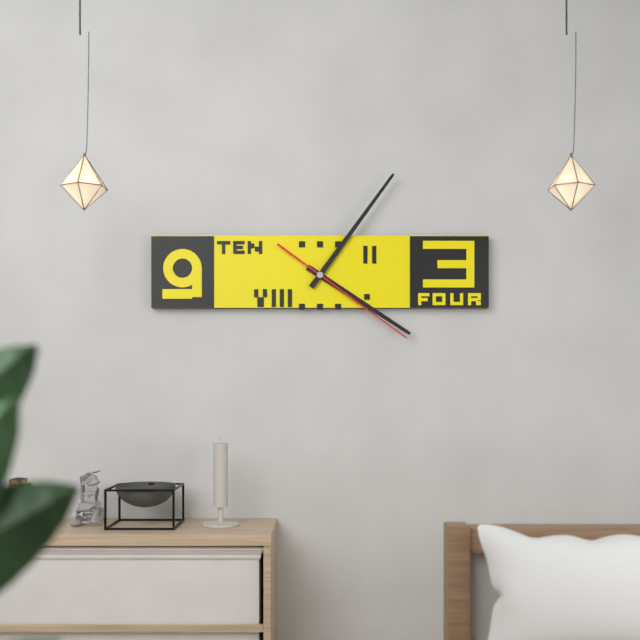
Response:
4.06.21
